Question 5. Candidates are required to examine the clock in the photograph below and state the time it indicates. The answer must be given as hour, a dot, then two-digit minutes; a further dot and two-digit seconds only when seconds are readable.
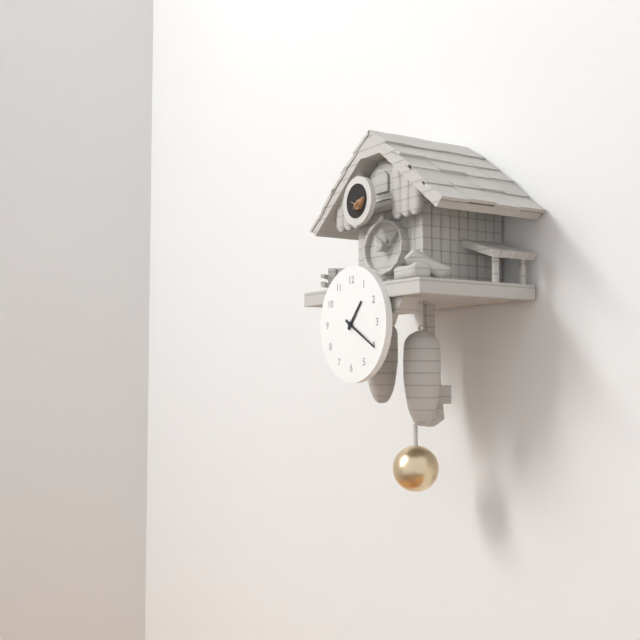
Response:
1.20
